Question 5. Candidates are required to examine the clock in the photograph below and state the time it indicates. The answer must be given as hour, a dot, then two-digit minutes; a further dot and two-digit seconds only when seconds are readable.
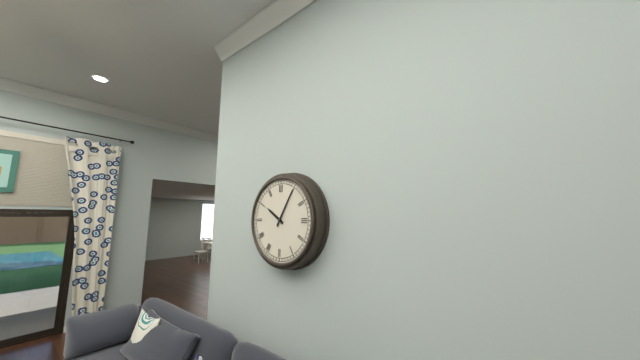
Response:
10.05
